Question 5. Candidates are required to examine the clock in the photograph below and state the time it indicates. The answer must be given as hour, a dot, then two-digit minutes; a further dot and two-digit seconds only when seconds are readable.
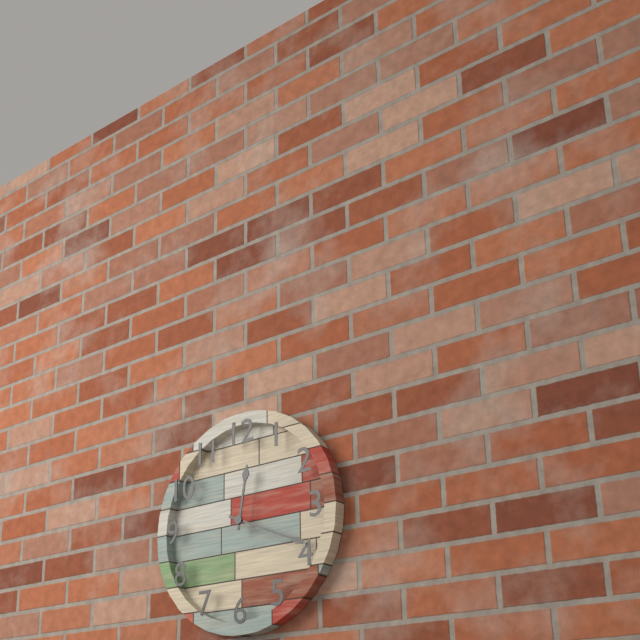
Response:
12.19
